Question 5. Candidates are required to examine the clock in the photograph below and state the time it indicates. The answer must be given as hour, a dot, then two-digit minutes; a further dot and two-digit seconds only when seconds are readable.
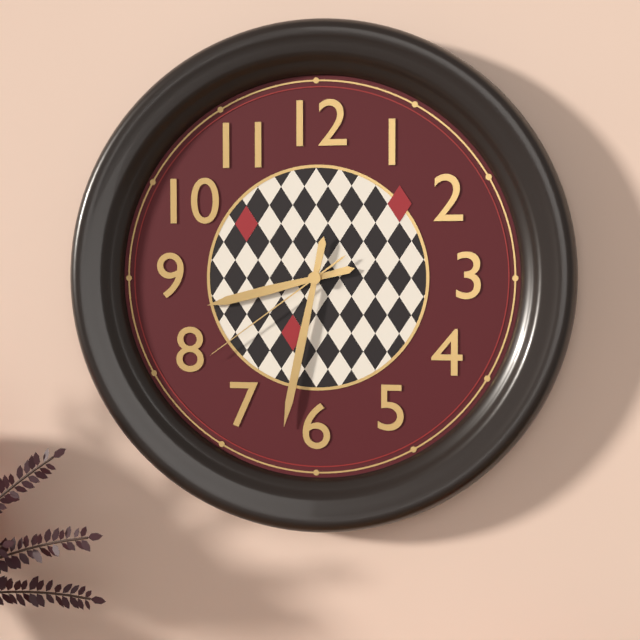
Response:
8.32.39
